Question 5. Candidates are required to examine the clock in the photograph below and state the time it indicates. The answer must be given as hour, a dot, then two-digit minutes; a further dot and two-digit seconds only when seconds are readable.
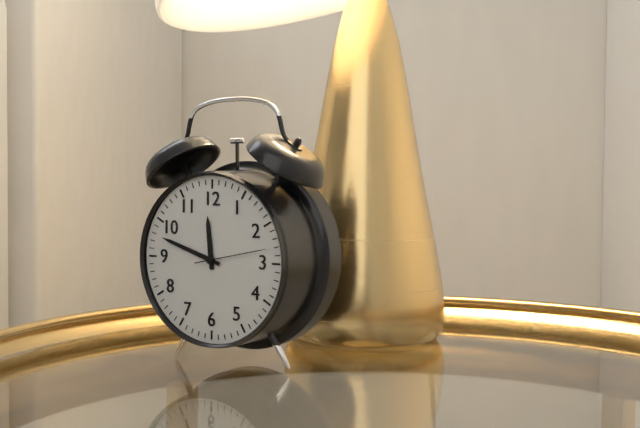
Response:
11.48
